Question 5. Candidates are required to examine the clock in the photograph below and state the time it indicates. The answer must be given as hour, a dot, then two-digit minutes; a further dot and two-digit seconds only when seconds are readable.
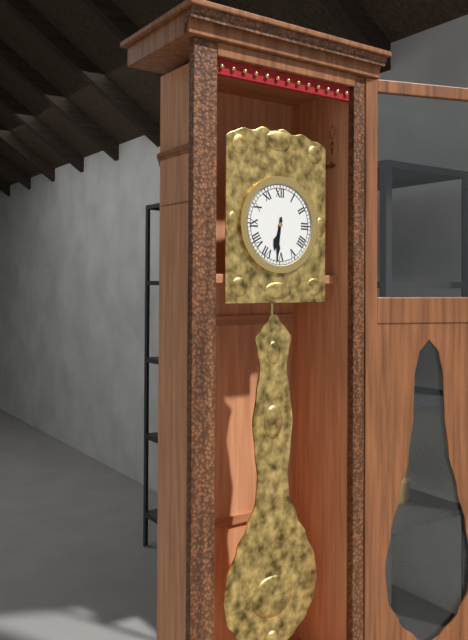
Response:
6.31
